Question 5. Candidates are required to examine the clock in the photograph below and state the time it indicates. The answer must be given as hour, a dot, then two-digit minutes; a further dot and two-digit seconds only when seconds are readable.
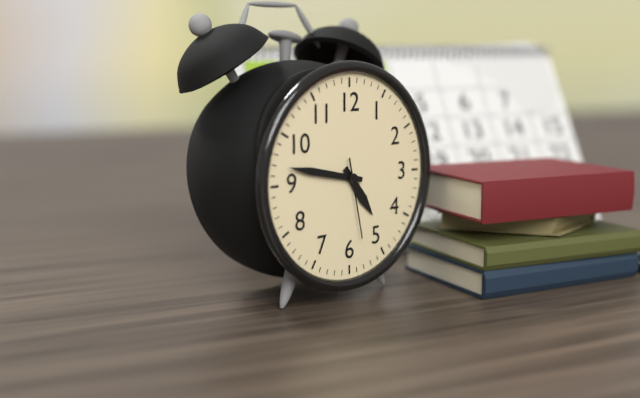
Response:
4.47.28
